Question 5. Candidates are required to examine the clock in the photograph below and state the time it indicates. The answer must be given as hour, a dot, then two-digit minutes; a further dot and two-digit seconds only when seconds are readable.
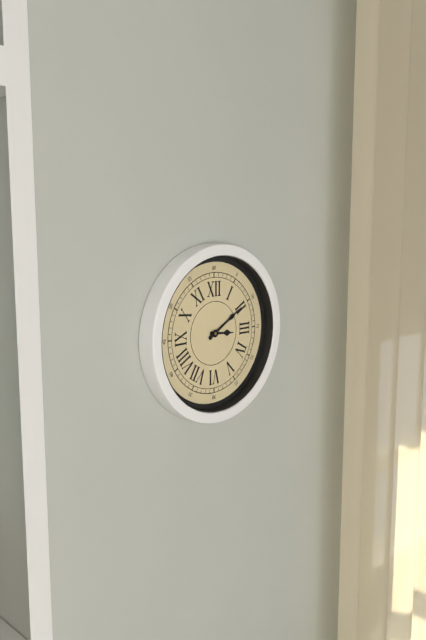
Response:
3.10
